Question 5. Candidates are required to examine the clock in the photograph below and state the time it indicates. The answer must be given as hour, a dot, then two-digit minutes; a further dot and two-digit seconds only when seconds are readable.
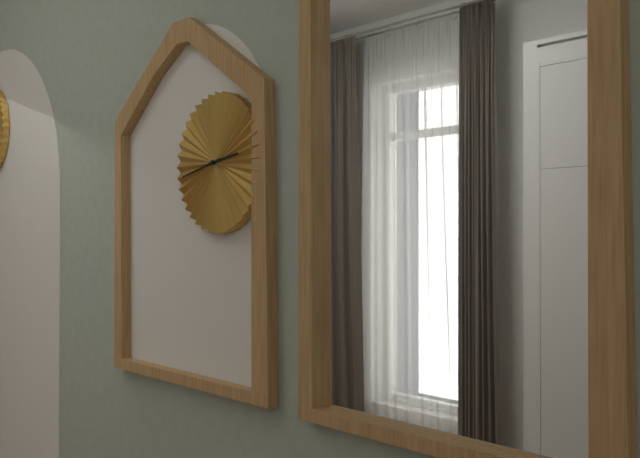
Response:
2.43
